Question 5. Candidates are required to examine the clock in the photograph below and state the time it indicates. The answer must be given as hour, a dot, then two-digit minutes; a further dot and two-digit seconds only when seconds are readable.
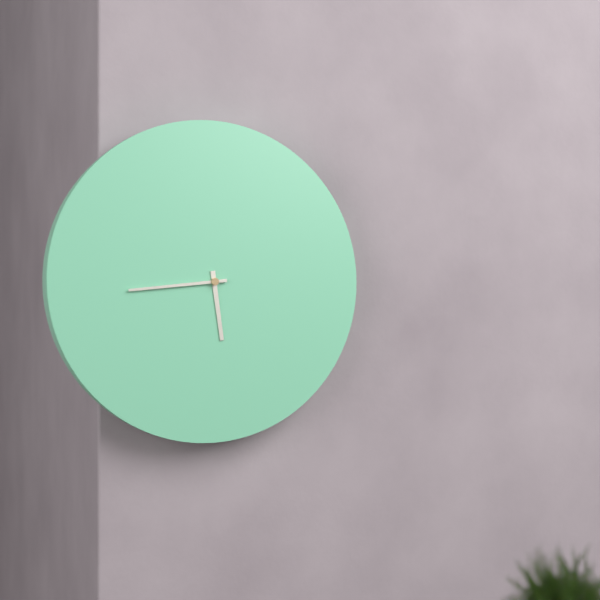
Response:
5.44
